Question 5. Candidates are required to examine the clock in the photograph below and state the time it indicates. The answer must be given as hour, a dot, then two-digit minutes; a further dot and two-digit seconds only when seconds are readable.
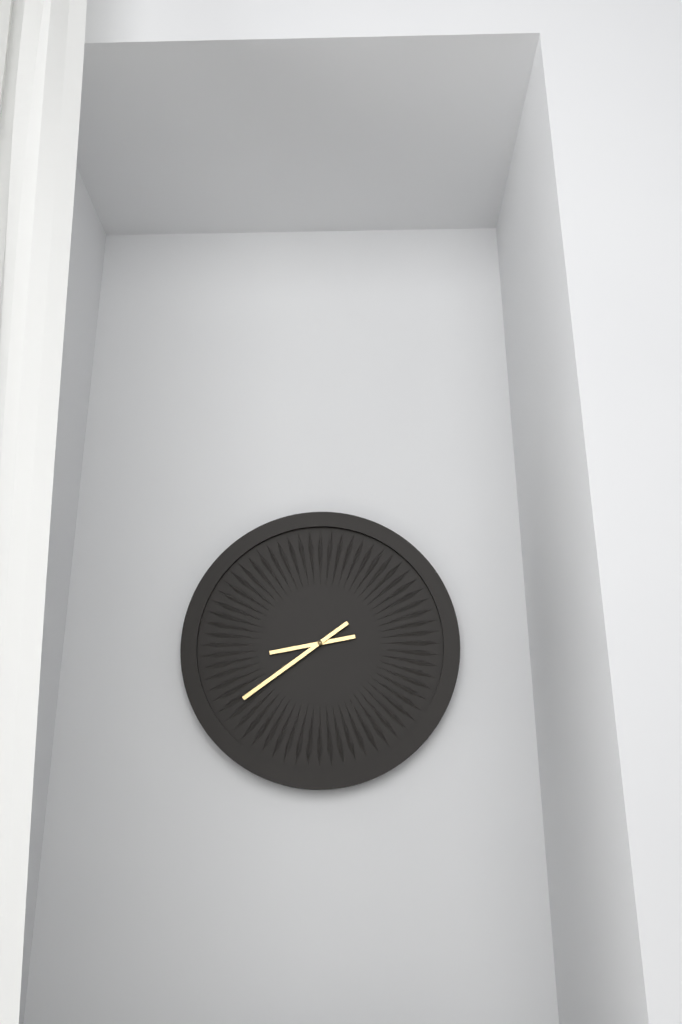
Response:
8.39
